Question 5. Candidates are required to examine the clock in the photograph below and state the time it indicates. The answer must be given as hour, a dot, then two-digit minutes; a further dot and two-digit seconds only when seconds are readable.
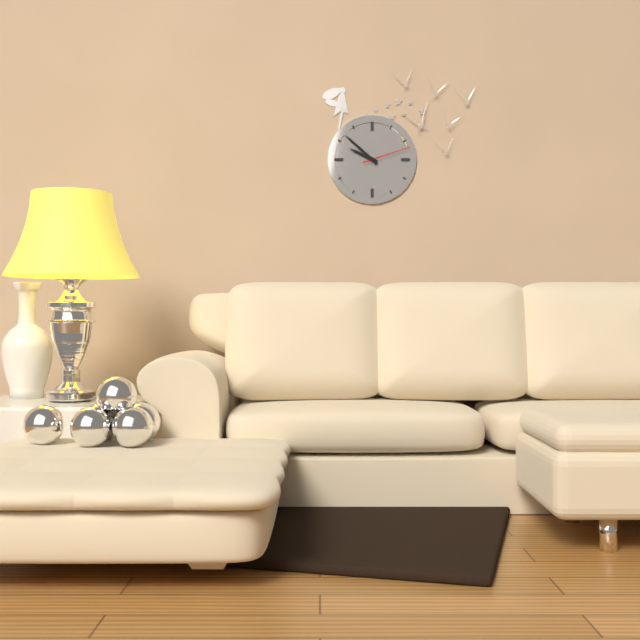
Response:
9.52
